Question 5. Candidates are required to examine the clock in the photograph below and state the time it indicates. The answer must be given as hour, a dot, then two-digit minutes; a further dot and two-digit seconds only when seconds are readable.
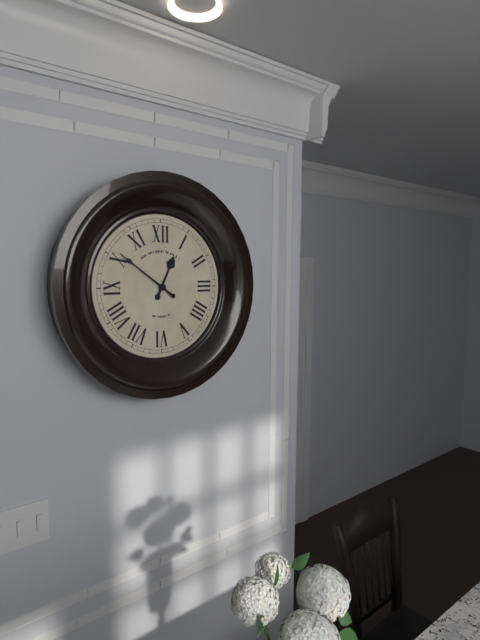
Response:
12.51
